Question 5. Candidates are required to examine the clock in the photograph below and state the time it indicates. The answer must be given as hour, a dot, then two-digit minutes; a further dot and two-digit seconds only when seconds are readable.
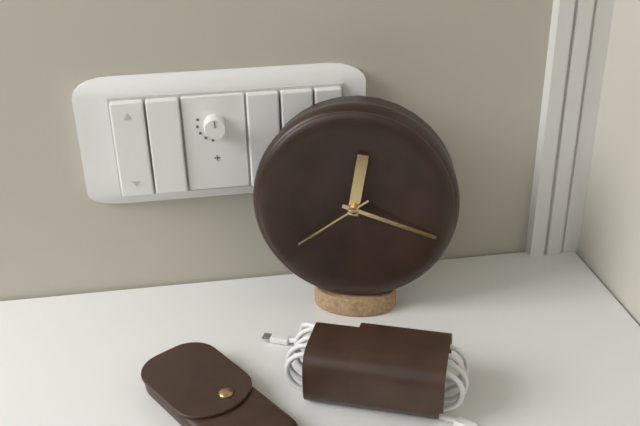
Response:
12.18.39
